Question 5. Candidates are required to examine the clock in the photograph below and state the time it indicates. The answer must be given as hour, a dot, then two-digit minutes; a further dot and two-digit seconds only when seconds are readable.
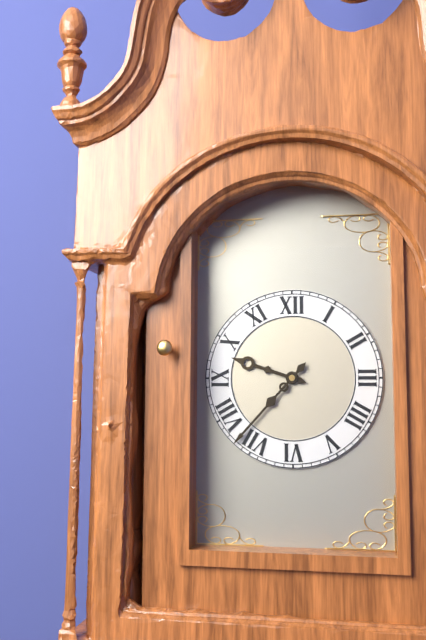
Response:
9.37
